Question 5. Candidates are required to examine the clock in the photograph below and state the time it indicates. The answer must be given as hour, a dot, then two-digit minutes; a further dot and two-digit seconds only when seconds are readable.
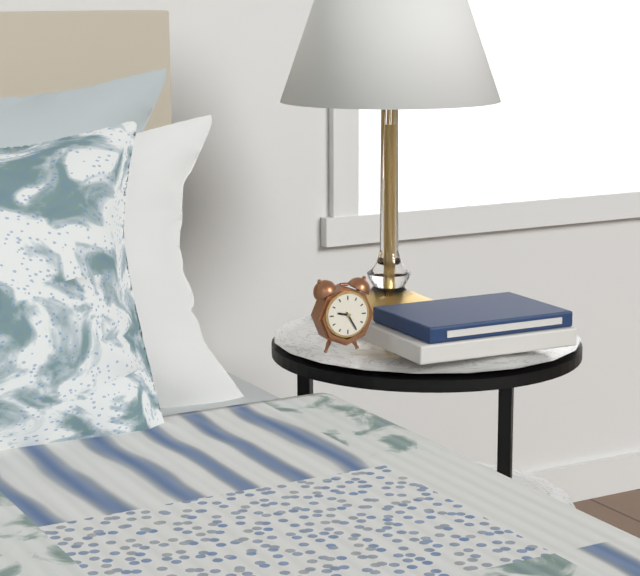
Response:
9.25
